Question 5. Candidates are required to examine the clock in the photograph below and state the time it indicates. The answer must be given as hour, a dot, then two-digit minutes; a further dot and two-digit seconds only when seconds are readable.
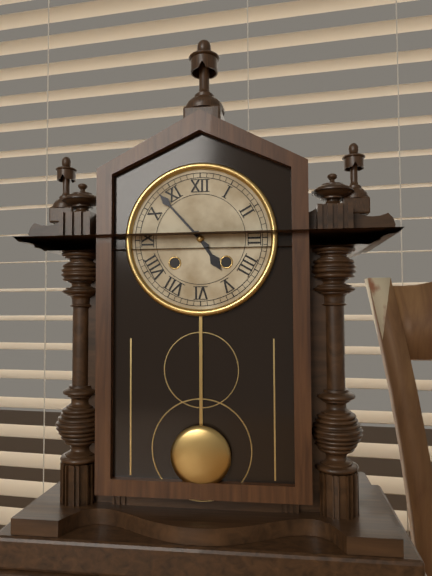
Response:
4.53
